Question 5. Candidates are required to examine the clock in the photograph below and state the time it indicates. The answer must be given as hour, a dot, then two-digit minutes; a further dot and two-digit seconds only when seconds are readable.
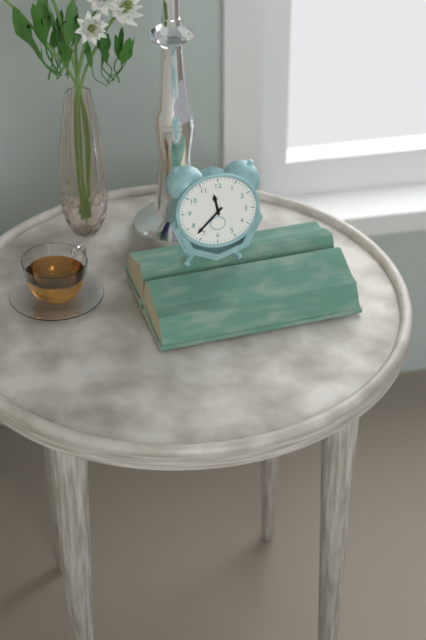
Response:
11.37
